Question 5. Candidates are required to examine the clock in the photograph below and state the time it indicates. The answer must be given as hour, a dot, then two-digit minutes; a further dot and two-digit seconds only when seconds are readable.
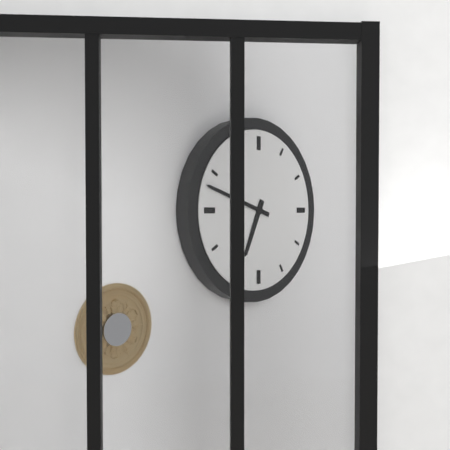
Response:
6.48
